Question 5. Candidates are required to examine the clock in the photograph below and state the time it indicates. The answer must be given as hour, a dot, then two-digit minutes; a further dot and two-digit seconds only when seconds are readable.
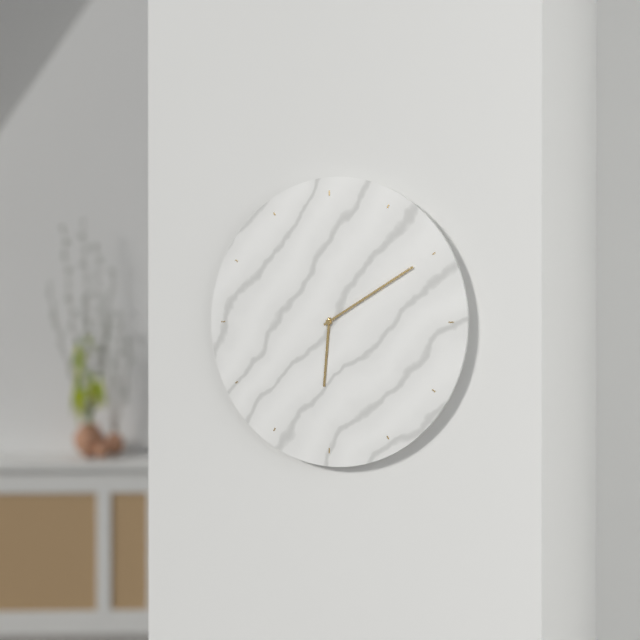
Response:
6.10
